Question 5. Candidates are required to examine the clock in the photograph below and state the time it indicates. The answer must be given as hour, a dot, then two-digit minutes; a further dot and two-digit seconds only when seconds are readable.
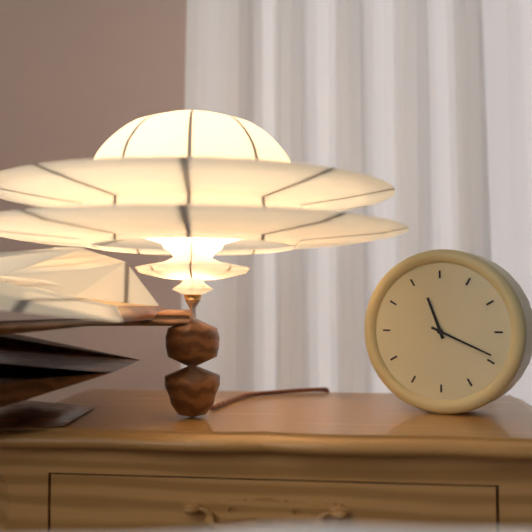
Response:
11.19
